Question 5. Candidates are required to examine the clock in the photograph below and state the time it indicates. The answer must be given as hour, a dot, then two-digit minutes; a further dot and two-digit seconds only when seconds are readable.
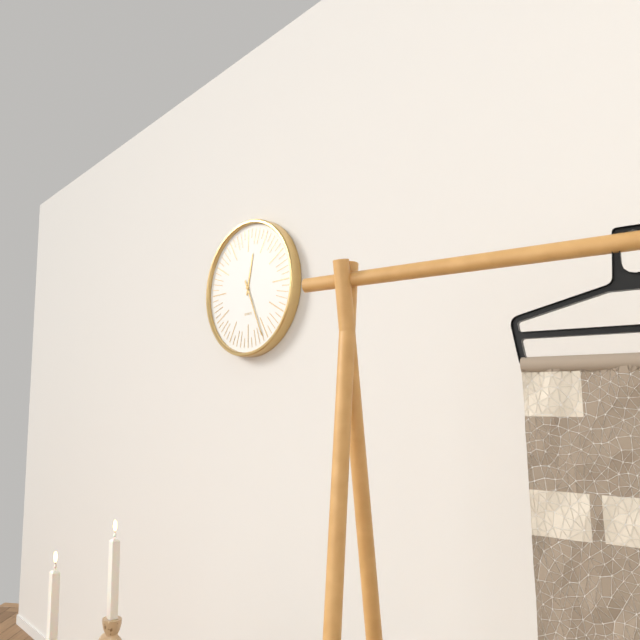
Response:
12.26
